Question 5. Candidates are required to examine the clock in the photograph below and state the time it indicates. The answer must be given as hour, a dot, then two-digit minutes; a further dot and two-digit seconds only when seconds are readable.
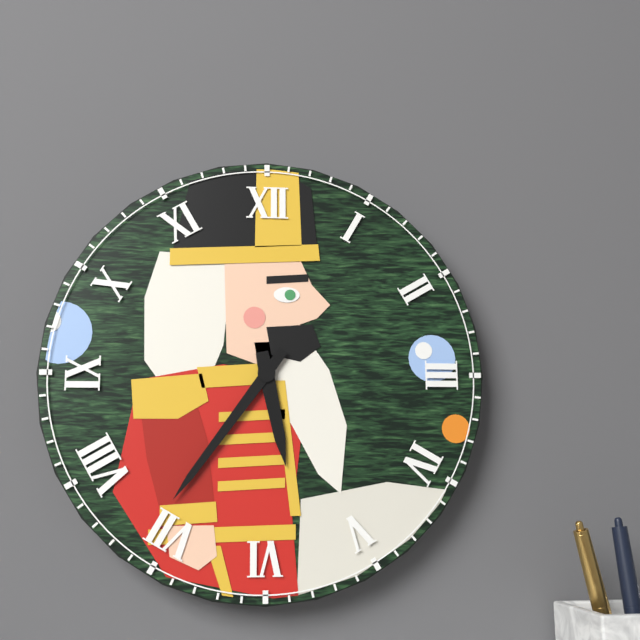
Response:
5.36
